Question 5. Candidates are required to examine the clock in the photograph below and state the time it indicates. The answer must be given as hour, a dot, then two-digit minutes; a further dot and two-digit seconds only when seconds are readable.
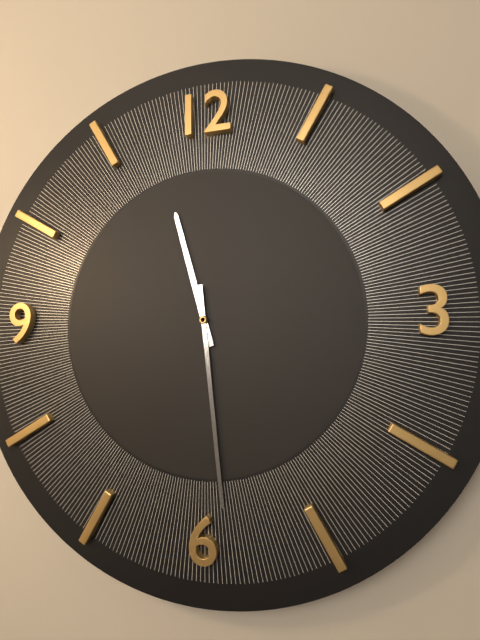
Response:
11.29
